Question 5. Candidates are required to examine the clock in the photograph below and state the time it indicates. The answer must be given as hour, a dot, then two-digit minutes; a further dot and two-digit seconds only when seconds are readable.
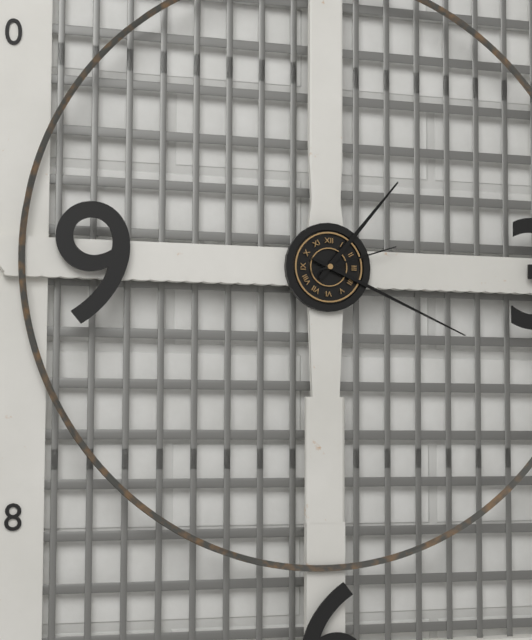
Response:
1.19.12
